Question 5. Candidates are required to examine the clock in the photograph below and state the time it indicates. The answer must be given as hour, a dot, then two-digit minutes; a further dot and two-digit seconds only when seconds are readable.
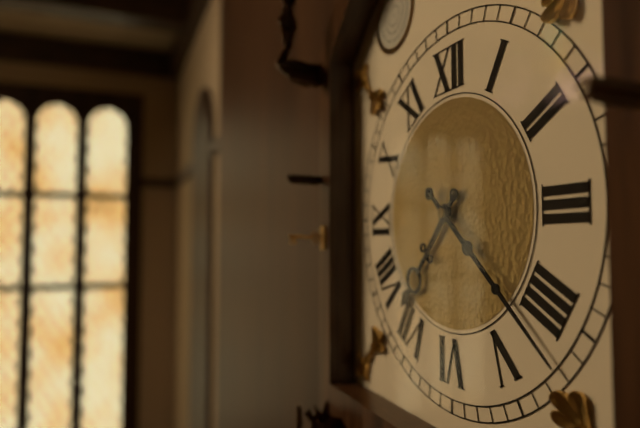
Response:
7.22
